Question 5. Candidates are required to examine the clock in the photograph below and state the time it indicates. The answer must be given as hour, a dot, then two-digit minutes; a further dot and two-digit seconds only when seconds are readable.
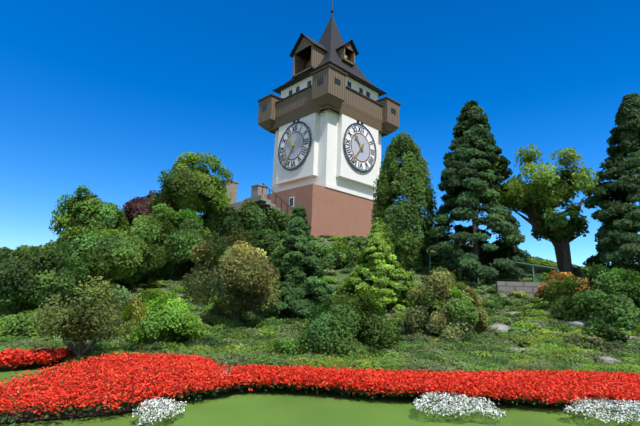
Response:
10.36
